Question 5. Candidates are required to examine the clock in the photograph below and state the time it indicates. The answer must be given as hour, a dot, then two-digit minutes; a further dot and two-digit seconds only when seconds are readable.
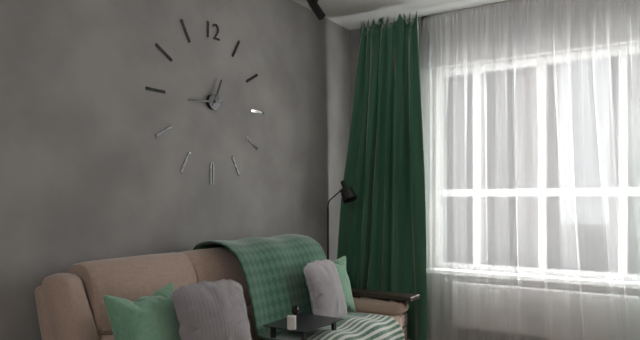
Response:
12.44
